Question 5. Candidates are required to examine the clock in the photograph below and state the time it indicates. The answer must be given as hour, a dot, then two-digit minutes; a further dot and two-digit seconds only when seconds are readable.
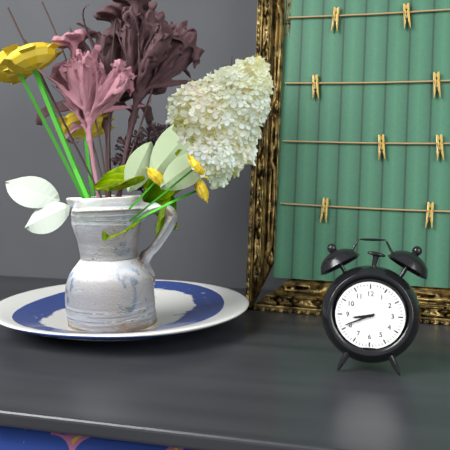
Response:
8.41
